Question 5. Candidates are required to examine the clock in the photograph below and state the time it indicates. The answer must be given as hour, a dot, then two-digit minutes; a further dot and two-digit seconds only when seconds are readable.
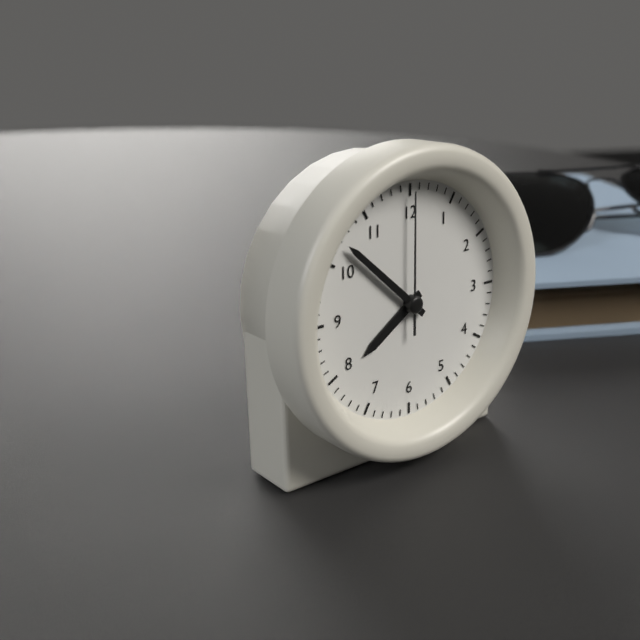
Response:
7.52.00
